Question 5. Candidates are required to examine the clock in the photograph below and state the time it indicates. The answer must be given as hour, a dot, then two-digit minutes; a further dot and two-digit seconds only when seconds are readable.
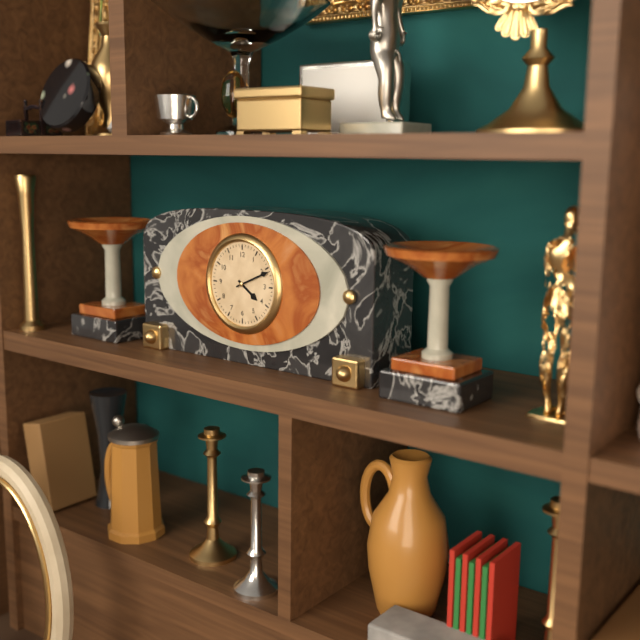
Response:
4.11
